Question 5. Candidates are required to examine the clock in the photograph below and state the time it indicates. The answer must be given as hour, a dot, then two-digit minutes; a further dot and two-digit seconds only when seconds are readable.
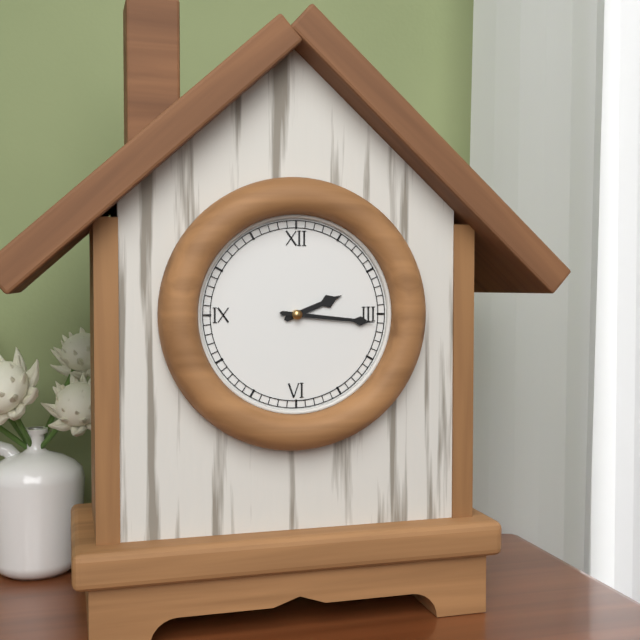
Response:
2.16
